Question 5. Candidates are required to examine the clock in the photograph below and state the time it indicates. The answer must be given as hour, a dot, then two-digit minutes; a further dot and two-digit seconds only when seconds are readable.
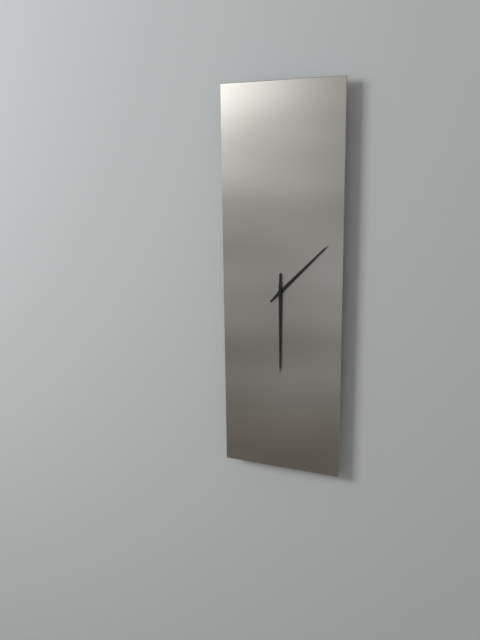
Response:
1.30
